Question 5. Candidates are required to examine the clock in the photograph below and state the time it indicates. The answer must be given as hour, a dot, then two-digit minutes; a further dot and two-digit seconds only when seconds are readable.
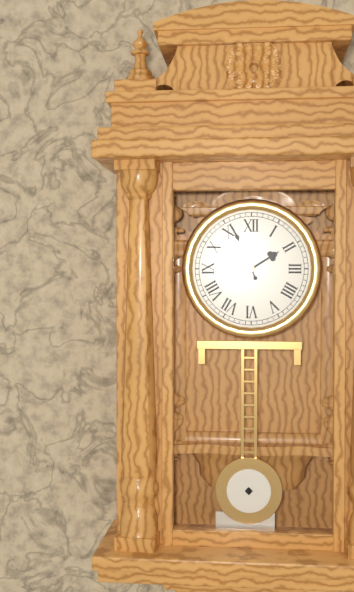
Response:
1.56
